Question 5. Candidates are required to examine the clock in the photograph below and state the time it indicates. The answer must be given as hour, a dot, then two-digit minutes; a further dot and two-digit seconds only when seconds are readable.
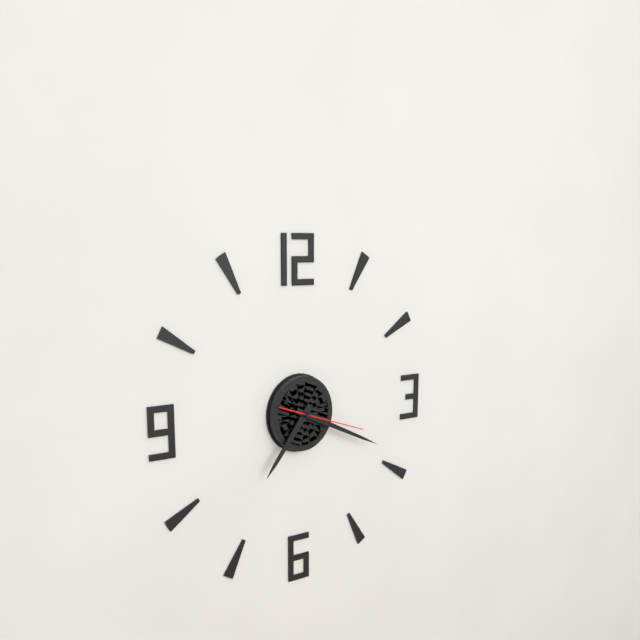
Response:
7.19.18
